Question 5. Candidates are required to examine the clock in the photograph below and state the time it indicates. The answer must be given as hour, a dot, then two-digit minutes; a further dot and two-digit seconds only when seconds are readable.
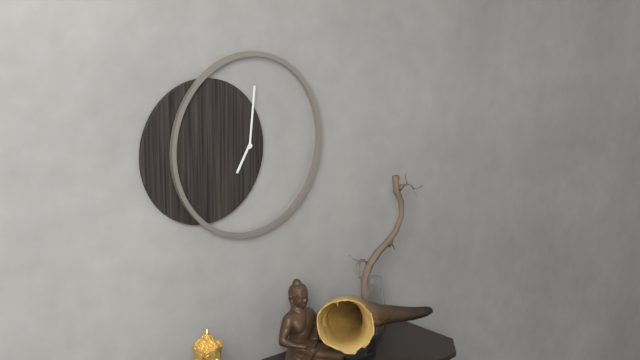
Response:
7.01
